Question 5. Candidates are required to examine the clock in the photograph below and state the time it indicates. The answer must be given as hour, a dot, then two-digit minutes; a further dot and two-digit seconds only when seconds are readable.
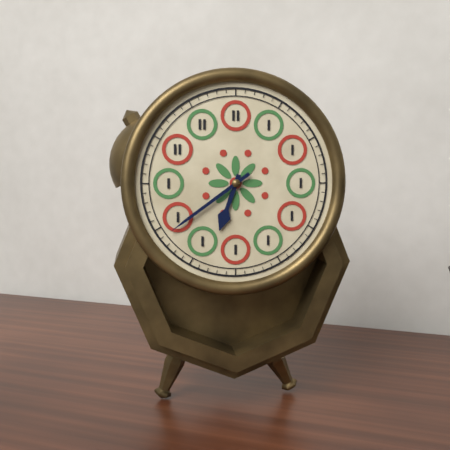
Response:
6.39
